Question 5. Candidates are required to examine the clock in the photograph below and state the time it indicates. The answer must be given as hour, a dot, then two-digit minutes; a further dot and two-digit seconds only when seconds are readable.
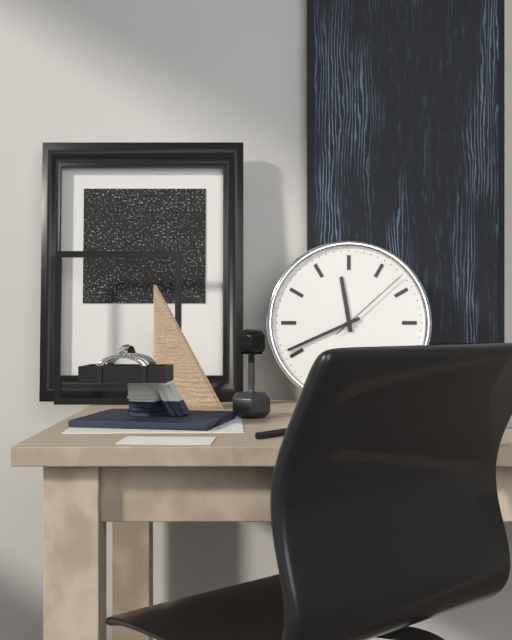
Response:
11.41.08
